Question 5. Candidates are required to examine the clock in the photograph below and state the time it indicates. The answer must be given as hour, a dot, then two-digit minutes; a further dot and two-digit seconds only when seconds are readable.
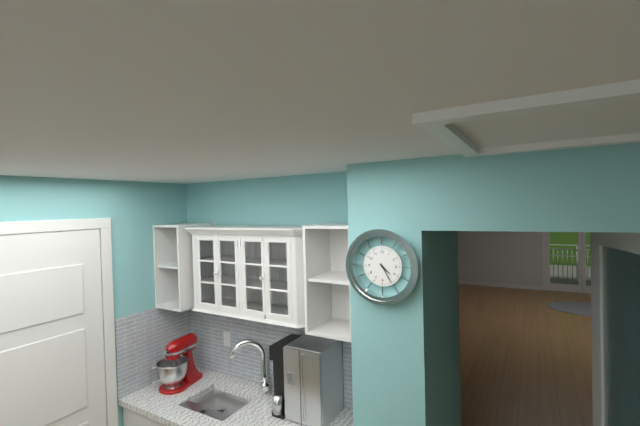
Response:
4.25
